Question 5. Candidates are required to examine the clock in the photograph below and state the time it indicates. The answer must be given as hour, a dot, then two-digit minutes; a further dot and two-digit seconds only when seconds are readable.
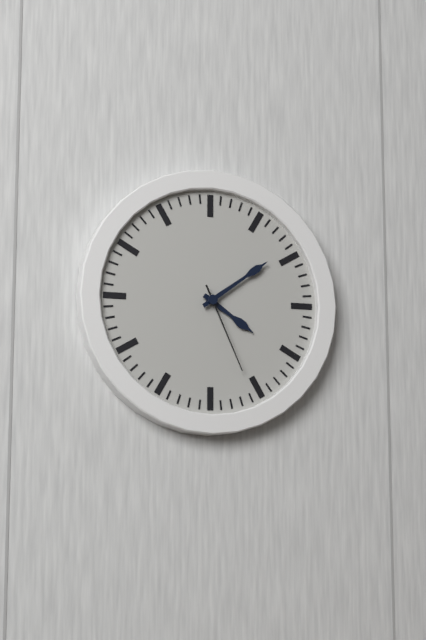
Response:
4.09.26
